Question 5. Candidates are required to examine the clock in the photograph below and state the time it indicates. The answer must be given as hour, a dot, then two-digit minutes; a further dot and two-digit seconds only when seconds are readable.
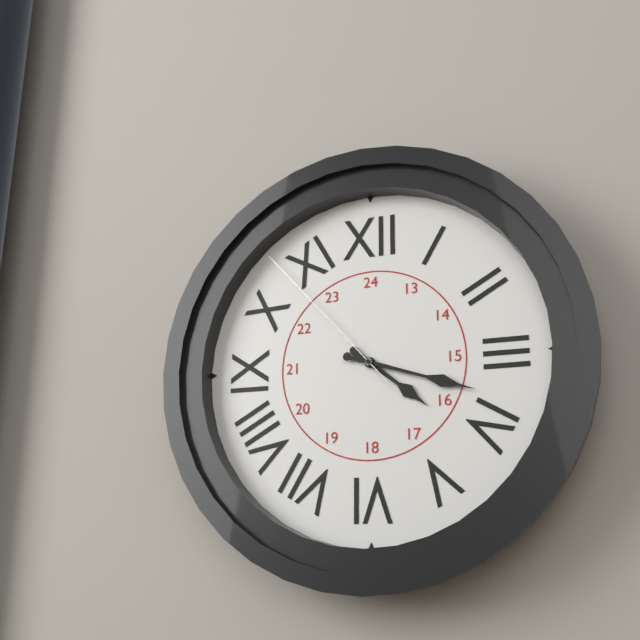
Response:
4.18.53
